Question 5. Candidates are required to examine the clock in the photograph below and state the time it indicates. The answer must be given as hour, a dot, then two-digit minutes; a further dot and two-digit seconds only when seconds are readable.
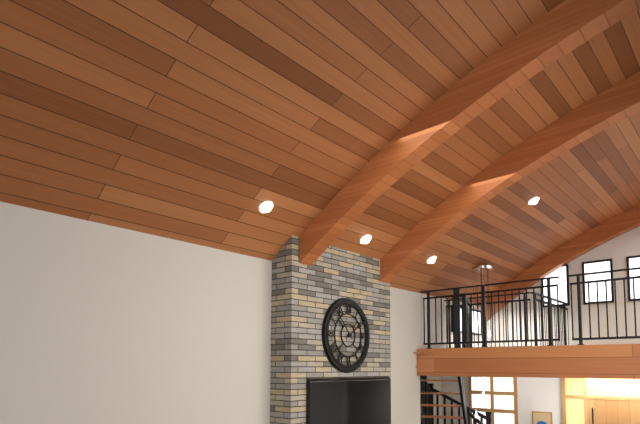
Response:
1.53
